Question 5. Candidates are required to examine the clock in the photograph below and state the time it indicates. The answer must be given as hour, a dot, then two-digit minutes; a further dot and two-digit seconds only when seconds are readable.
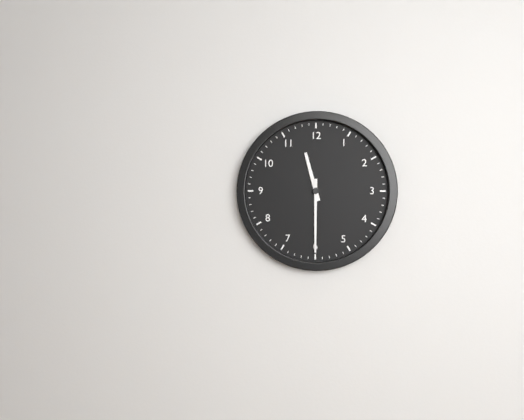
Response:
11.30
